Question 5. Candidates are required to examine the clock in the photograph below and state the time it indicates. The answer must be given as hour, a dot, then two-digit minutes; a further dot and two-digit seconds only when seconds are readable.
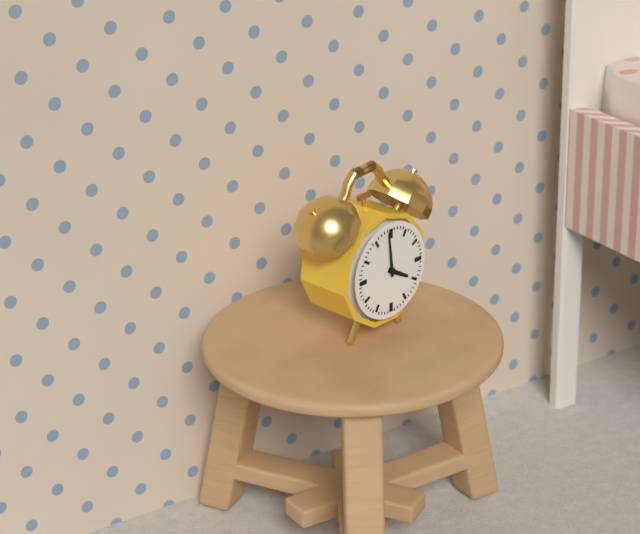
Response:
3.59
